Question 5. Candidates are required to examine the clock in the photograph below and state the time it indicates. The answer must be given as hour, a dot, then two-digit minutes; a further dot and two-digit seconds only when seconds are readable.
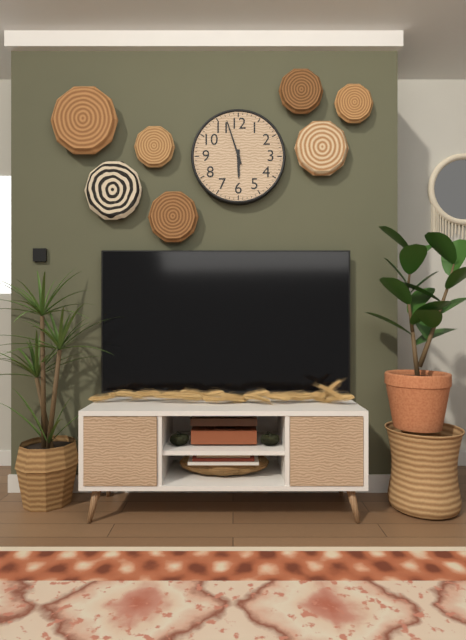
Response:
5.57
